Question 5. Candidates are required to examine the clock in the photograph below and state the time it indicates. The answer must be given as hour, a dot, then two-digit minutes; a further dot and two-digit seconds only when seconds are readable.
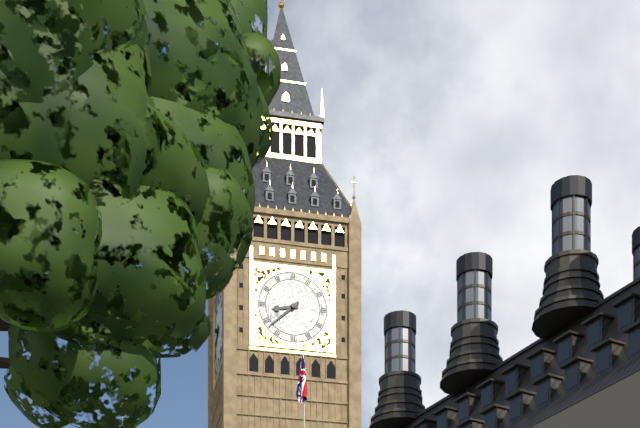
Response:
8.38
